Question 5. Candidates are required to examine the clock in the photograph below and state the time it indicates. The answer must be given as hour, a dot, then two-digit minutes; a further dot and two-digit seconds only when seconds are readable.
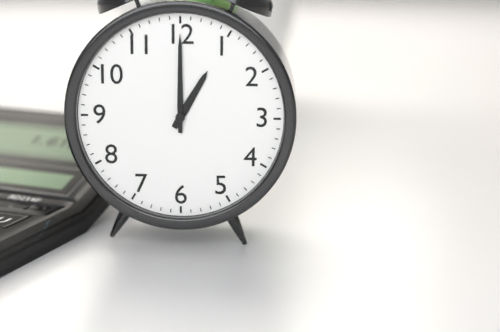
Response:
1.00
